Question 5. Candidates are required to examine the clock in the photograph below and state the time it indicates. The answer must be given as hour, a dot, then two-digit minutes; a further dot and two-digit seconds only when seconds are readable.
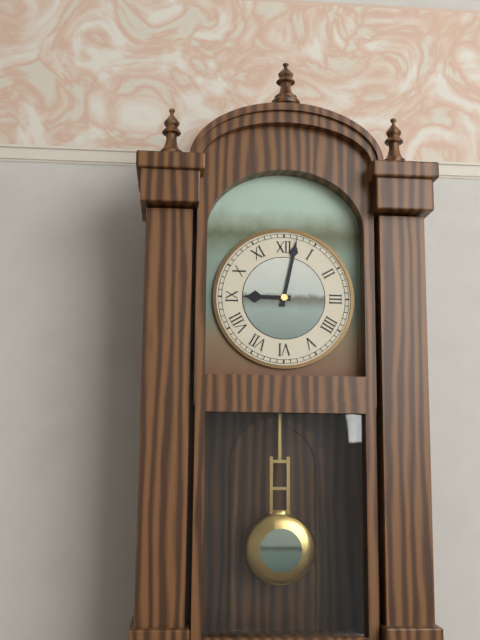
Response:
9.02
